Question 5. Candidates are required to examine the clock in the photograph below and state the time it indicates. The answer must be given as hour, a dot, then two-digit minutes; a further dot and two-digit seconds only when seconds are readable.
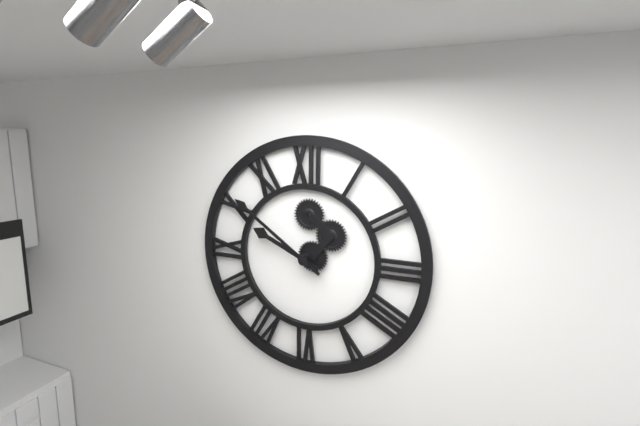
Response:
9.51
